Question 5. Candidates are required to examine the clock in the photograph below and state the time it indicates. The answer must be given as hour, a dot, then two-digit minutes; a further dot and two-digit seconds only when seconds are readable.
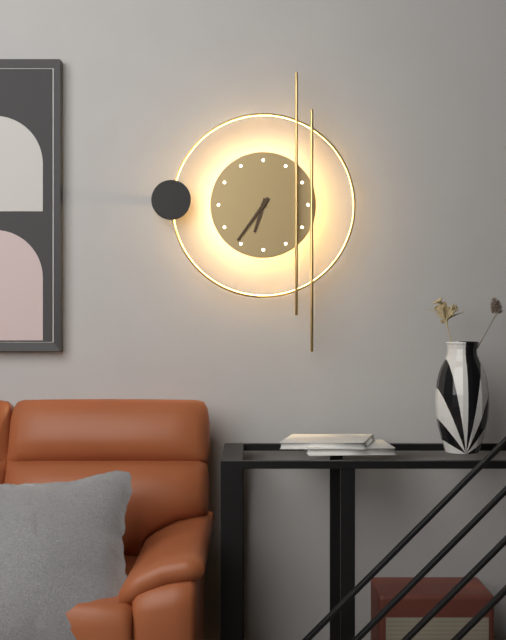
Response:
6.36
